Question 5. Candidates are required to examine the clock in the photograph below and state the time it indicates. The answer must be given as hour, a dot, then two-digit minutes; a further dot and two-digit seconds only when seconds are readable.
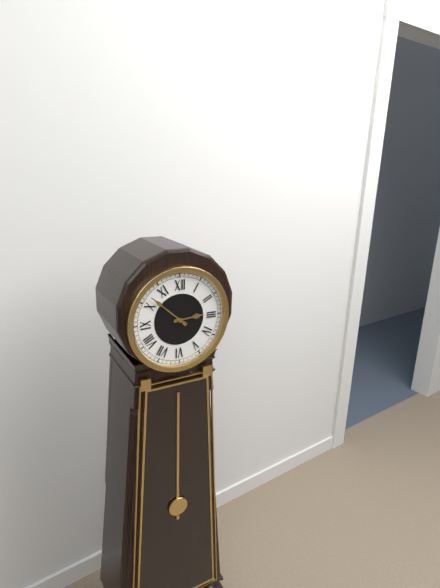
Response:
2.52
